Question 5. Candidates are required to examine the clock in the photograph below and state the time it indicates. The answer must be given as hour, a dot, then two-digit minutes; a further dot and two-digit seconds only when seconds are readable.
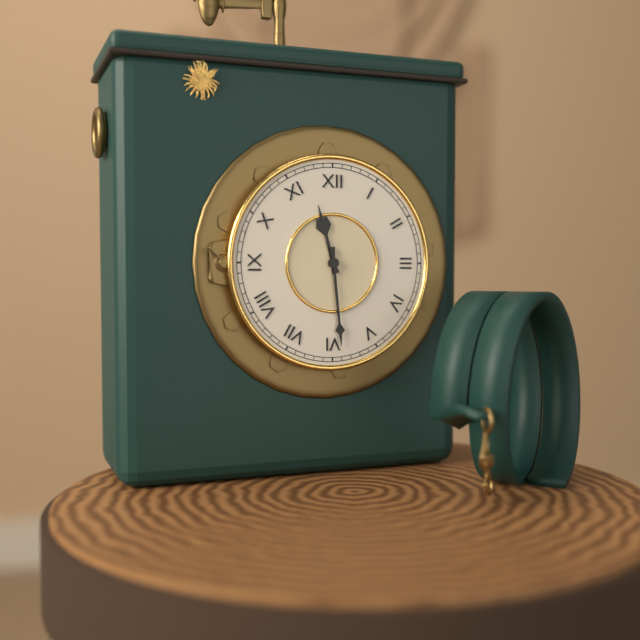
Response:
11.29
